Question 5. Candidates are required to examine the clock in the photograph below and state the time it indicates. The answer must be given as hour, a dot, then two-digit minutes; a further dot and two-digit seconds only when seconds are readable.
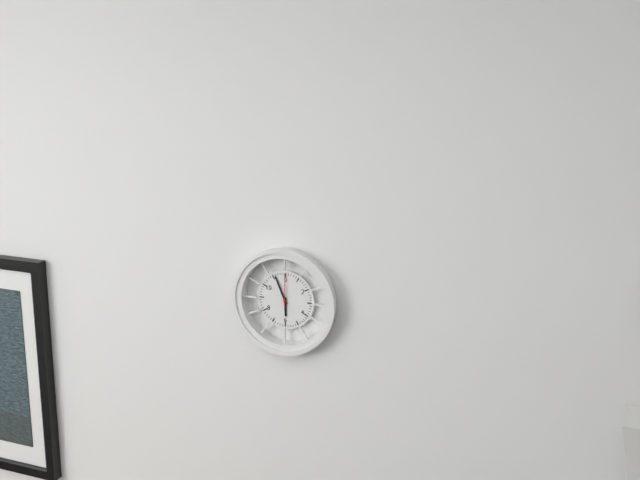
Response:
5.56
